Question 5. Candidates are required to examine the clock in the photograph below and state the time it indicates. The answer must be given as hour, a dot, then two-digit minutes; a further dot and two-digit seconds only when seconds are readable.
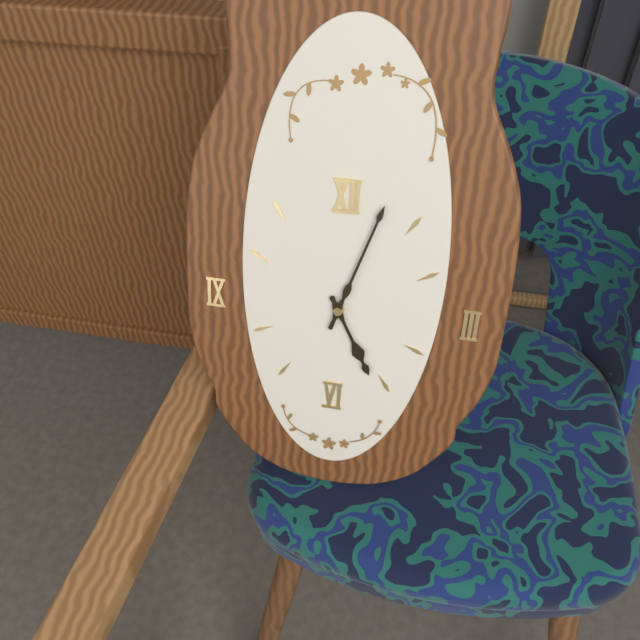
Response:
5.03
